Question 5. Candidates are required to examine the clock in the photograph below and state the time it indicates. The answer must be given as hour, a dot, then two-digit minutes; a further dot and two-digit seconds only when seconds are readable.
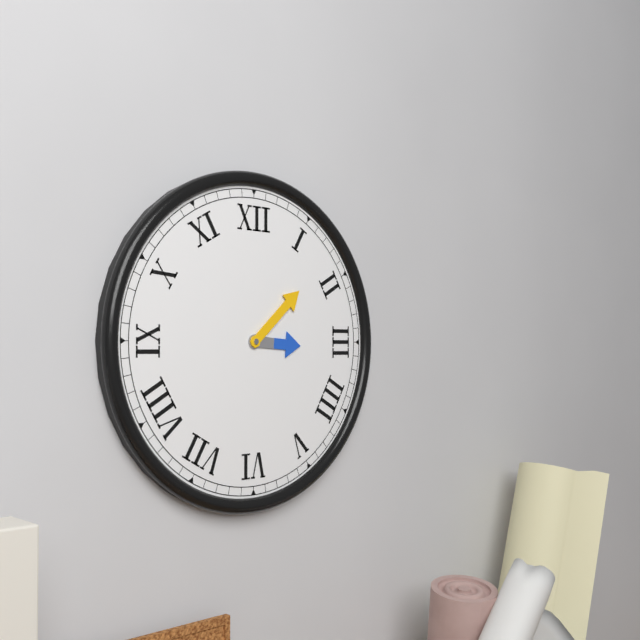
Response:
3.08
